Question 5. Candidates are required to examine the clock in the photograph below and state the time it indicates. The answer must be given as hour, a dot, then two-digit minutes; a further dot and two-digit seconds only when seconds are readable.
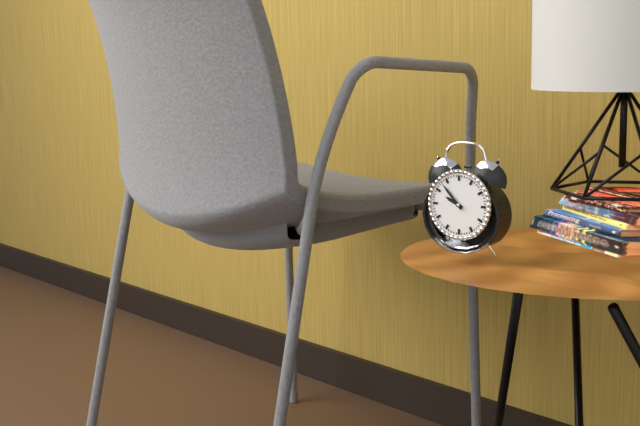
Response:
9.53
